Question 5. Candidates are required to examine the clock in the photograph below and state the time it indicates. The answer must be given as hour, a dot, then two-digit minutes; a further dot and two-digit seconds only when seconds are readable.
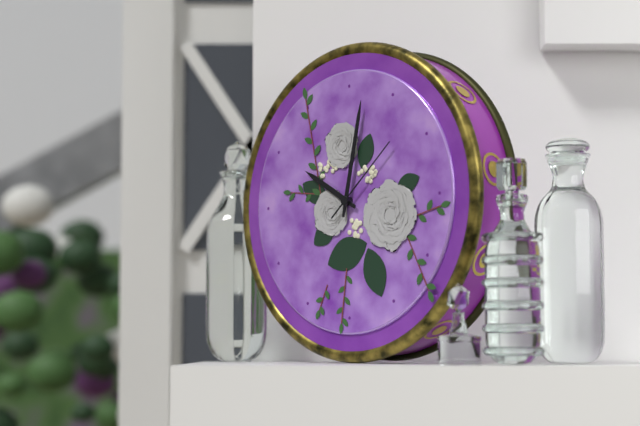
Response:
10.02.08
